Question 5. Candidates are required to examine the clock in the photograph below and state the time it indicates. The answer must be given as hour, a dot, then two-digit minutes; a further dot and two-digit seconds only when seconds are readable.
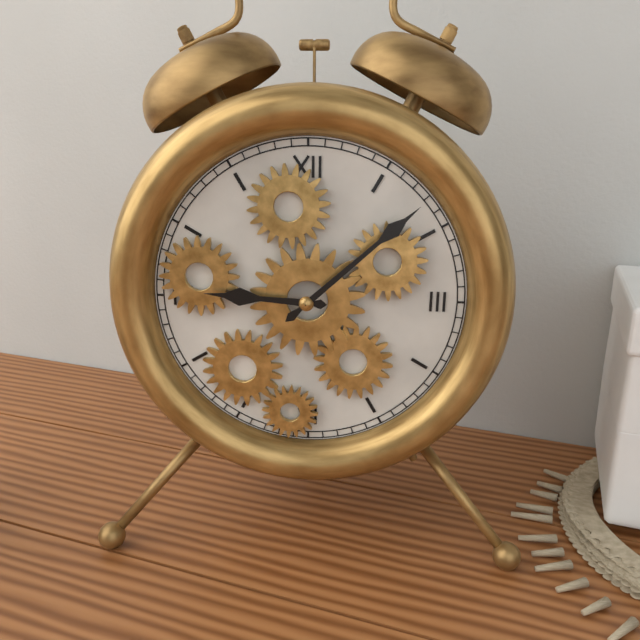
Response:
9.08
